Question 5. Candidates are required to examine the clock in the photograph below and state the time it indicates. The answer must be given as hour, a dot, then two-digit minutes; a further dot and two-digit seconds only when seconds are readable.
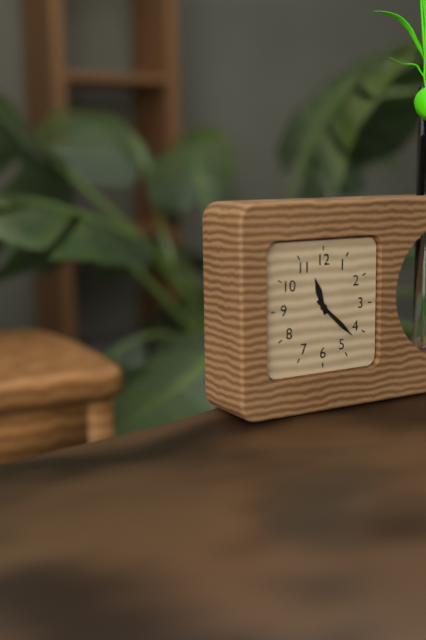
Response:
11.22
